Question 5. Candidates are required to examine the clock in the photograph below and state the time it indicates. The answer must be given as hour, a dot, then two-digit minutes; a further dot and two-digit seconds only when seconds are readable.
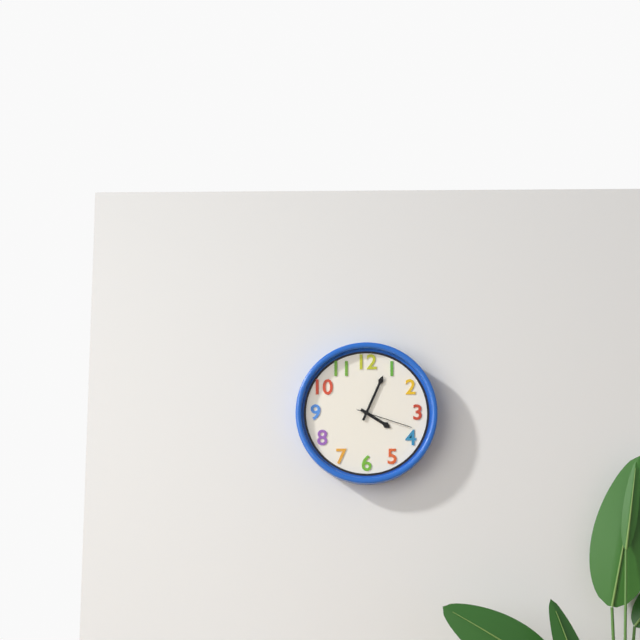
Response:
4.04.18
